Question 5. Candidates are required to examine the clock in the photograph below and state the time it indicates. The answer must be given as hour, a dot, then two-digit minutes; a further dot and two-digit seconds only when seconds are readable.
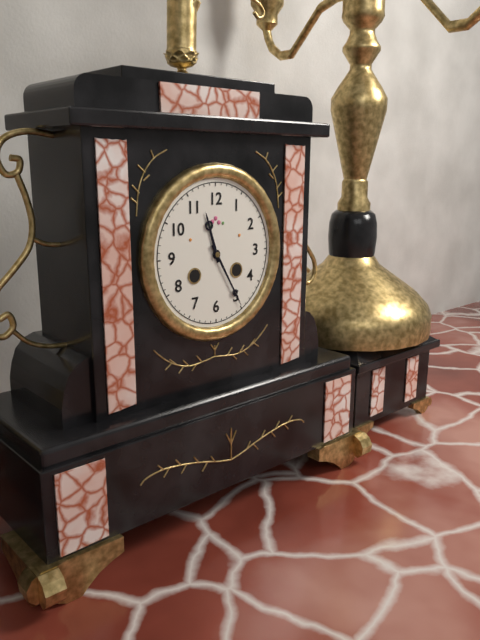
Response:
11.25
